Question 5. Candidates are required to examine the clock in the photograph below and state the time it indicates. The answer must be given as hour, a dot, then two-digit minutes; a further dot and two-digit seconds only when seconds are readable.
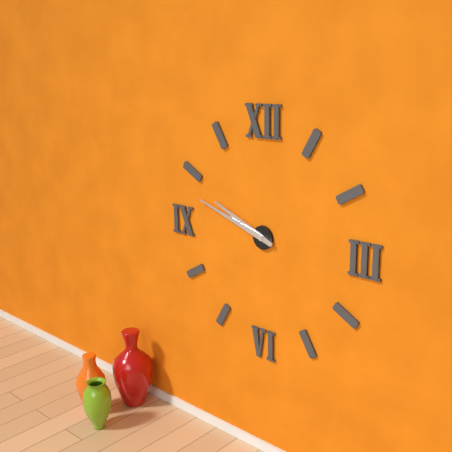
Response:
9.48
